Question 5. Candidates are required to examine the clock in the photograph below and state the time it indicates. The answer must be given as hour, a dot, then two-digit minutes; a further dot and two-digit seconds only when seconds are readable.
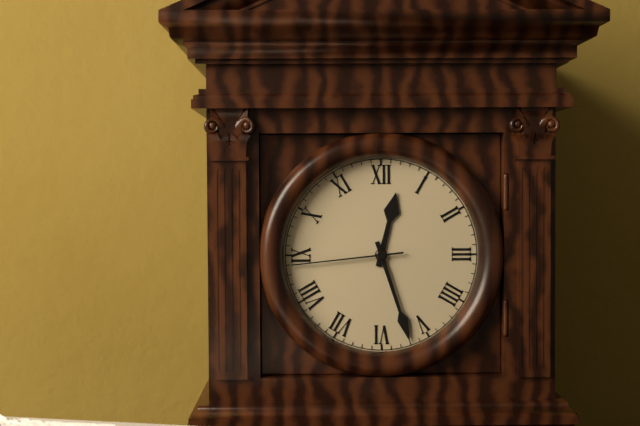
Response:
12.27.44
